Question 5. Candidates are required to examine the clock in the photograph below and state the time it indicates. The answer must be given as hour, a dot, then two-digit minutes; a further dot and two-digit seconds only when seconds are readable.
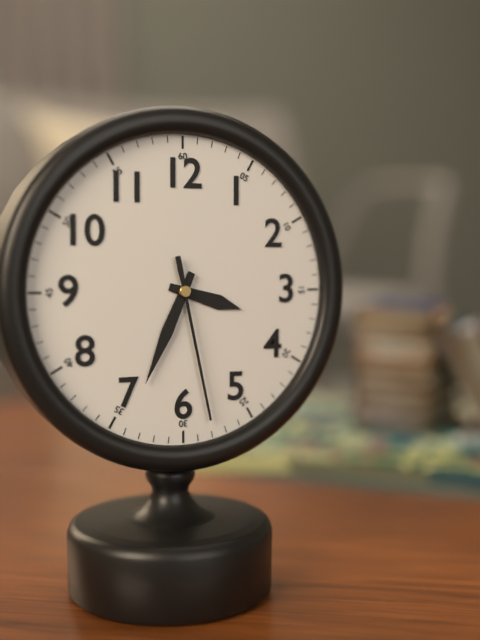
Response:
3.34.28
